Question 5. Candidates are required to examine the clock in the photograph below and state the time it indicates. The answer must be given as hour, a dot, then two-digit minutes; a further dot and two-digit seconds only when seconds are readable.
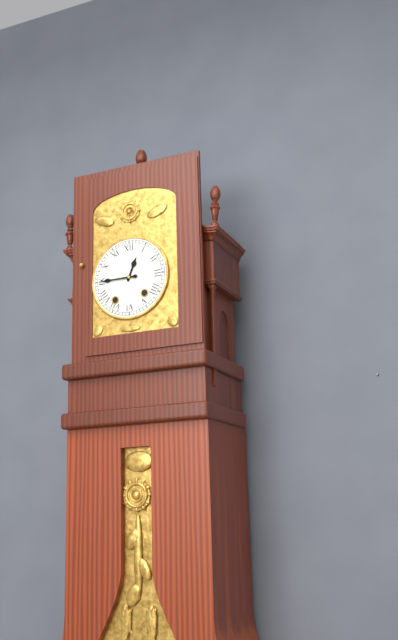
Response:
12.45
